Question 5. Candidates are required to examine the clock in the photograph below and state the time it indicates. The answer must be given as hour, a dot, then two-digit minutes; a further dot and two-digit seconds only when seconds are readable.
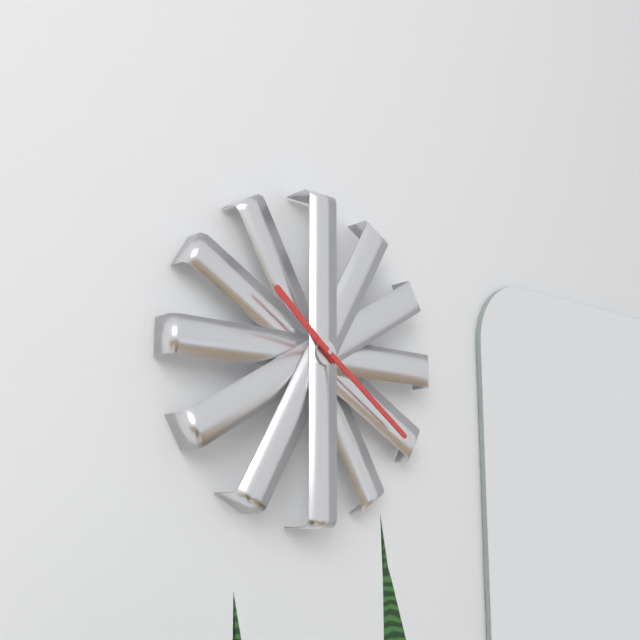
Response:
10.21
